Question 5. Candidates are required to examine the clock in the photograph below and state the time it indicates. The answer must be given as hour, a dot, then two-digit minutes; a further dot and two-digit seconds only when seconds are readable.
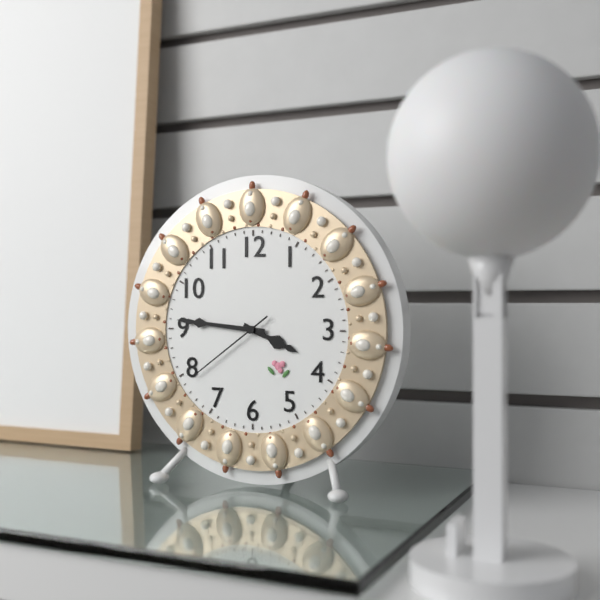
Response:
3.46.39
